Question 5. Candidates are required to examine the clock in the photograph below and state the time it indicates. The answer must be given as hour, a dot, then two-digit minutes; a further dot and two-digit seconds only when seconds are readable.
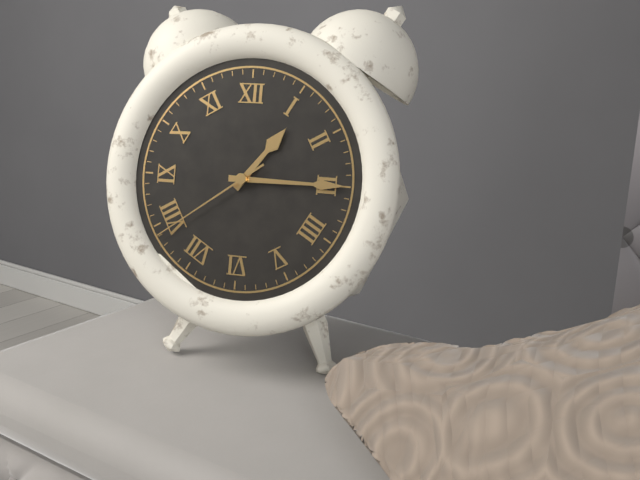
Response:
1.15.39
